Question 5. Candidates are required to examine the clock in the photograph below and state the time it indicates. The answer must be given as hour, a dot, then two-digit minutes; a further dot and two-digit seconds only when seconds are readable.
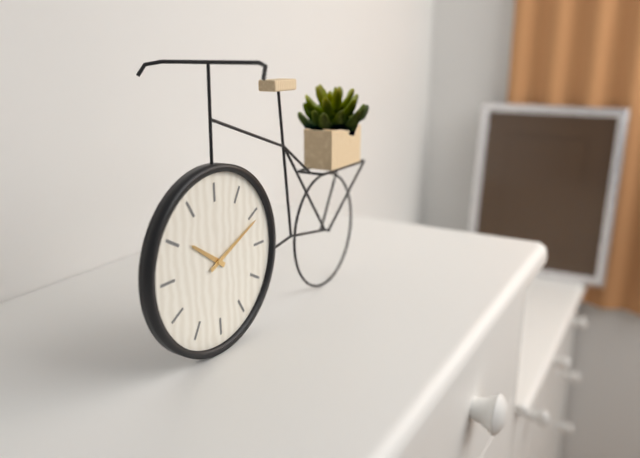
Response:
10.11
